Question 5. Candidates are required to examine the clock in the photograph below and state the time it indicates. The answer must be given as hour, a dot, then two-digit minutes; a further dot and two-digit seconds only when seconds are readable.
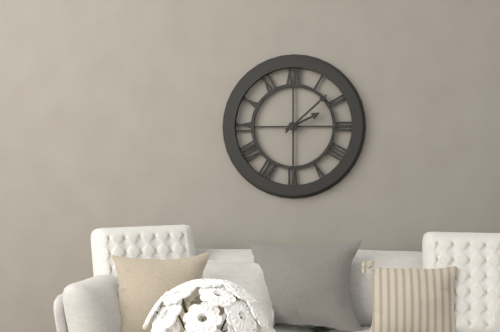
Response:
2.08
